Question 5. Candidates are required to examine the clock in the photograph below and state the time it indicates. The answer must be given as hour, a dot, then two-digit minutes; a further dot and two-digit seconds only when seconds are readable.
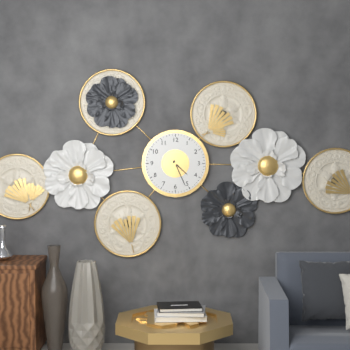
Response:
4.26
